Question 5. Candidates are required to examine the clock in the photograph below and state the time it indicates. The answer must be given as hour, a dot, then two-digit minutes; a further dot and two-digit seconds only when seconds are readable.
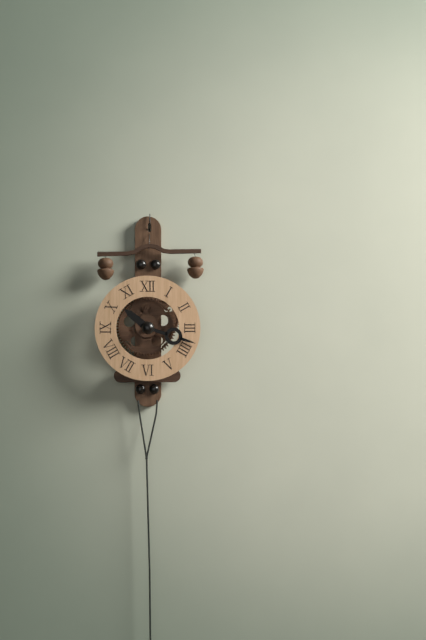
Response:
10.18
